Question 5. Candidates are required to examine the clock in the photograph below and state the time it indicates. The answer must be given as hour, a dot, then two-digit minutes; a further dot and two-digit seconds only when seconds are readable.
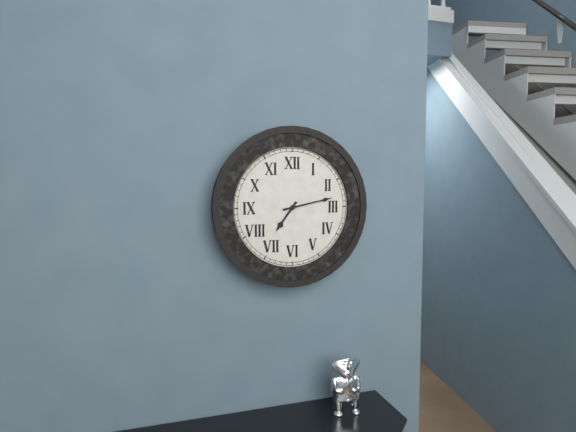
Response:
7.13
